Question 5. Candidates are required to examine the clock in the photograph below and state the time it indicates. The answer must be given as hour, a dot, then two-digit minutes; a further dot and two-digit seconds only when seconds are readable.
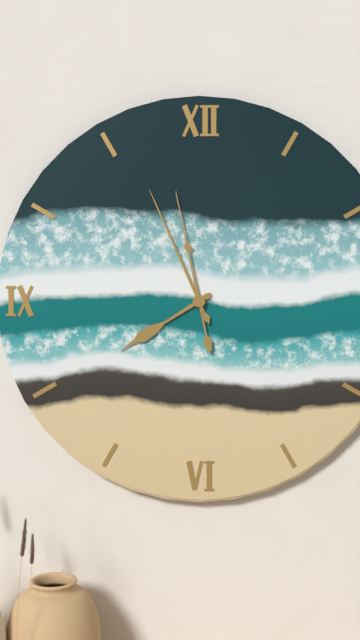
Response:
7.56.58
